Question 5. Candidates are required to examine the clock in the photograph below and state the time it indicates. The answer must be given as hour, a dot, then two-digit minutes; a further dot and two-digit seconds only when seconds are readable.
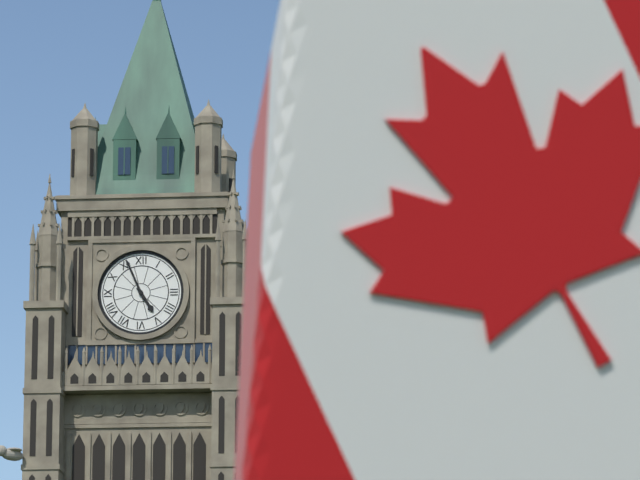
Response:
4.56
